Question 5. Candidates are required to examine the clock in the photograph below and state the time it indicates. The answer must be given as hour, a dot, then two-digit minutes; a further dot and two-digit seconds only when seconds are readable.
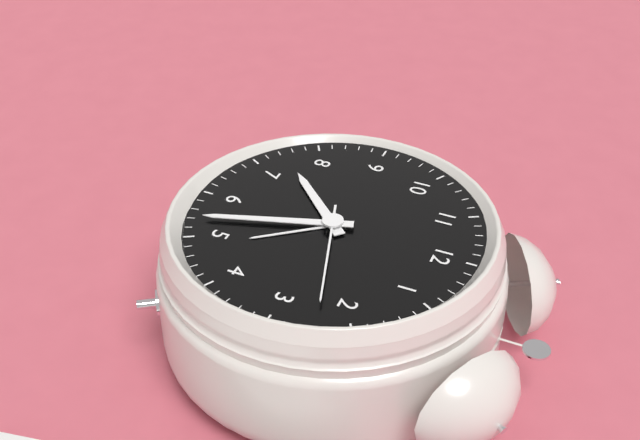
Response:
7.27.12
